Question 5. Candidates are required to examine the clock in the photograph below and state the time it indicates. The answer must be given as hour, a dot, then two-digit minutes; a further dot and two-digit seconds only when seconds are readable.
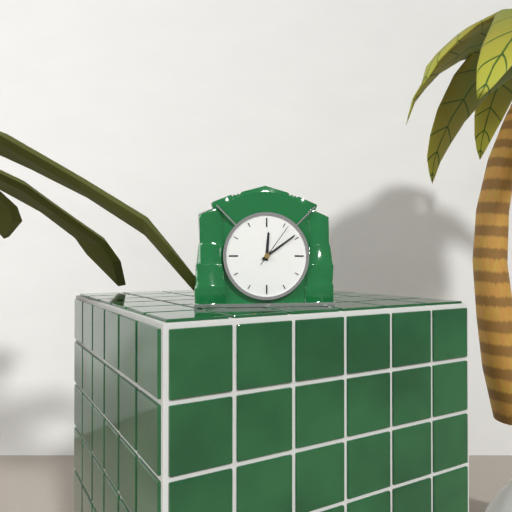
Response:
12.09
